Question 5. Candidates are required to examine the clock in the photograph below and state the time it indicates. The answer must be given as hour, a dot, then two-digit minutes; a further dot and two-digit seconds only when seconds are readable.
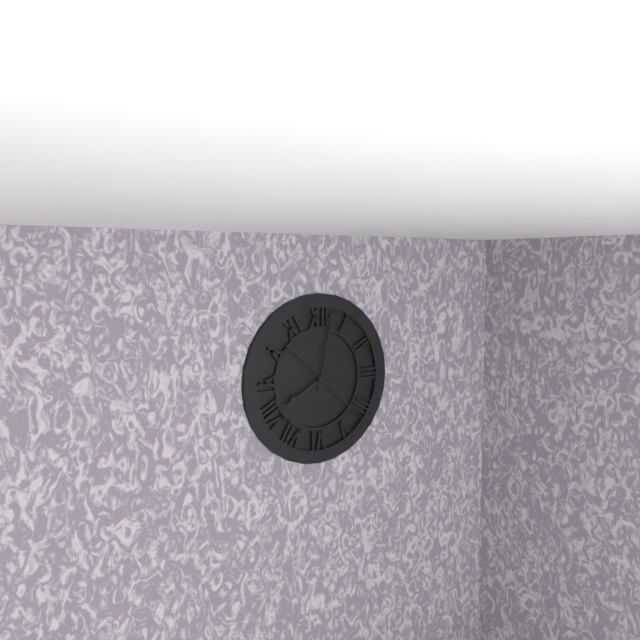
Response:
8.02.22
